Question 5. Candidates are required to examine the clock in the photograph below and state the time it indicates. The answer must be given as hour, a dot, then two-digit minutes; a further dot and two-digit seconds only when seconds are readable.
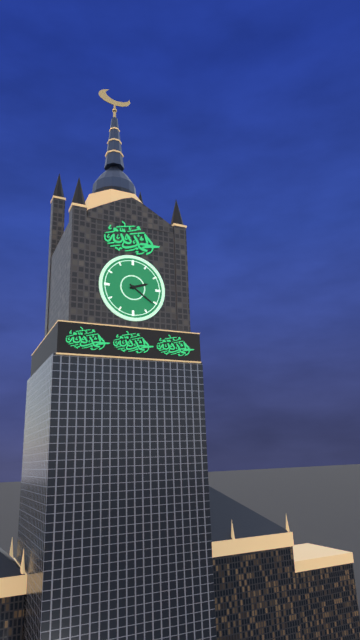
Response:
2.21
